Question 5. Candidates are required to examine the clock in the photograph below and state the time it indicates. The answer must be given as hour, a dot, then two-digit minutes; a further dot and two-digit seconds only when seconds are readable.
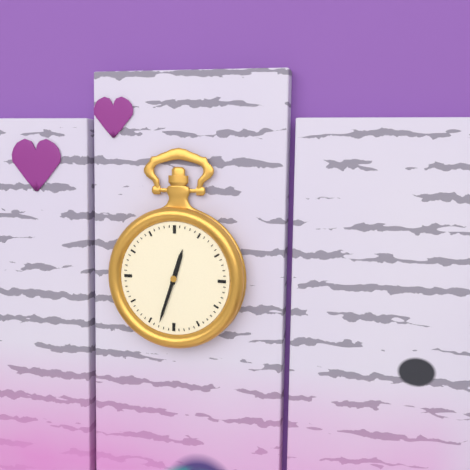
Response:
12.33
